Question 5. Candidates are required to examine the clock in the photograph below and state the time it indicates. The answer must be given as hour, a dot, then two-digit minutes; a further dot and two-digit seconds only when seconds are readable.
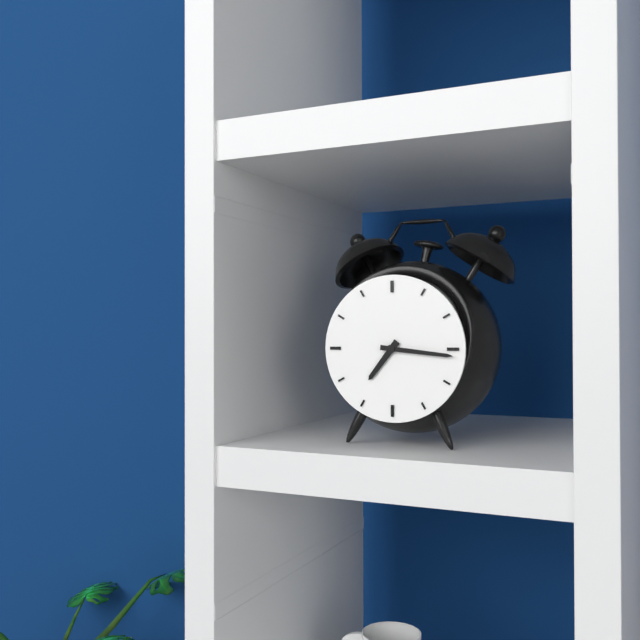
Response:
7.16
